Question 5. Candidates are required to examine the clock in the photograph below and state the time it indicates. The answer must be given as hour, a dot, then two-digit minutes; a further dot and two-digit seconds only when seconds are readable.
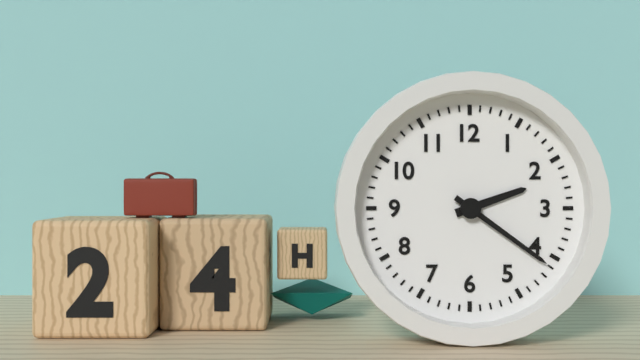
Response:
2.21
